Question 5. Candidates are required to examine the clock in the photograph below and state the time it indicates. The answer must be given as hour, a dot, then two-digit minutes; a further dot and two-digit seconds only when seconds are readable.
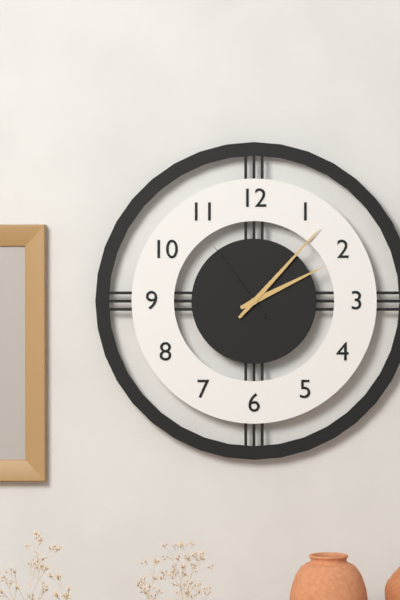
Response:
2.07.54
